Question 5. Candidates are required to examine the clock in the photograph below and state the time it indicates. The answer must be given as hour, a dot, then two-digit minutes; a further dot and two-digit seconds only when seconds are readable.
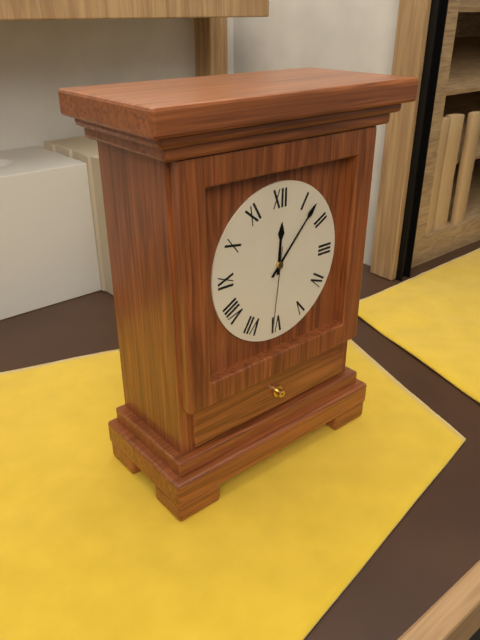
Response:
12.07.31
